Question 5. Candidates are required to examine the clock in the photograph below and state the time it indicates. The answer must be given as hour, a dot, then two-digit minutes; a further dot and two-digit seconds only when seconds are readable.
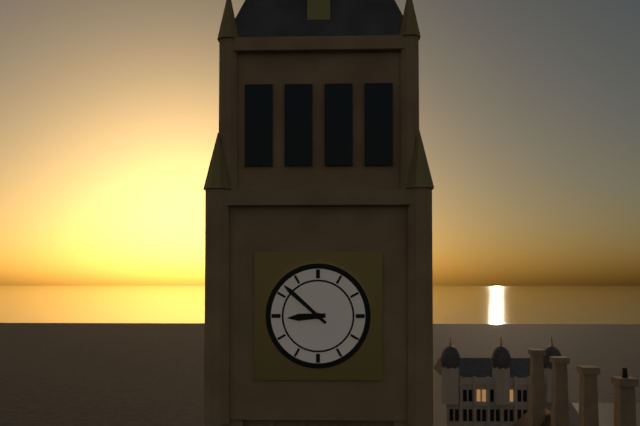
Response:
8.52
